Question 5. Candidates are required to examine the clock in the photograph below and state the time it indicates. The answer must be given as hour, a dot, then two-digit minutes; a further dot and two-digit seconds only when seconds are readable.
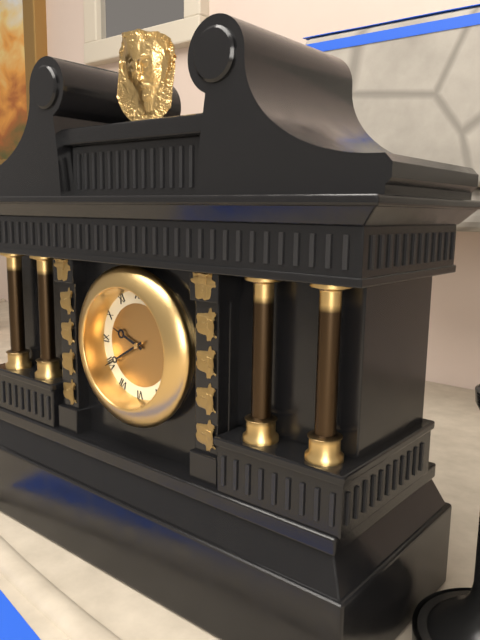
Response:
9.40
